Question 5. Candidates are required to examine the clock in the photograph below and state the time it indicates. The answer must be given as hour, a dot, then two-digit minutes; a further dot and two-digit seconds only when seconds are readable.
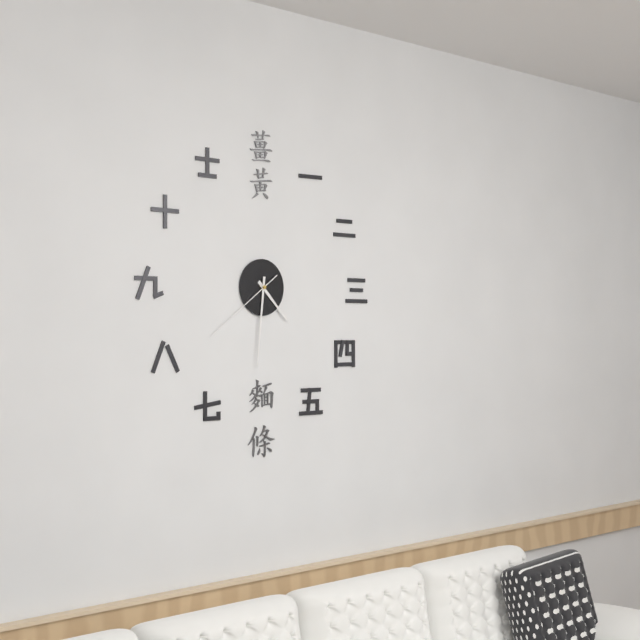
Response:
4.31.39
